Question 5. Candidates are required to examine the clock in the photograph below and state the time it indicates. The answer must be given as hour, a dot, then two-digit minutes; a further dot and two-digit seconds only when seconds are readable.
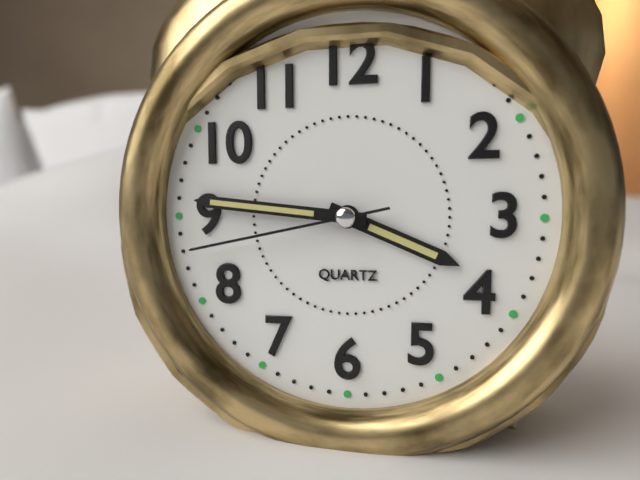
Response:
3.46.43
